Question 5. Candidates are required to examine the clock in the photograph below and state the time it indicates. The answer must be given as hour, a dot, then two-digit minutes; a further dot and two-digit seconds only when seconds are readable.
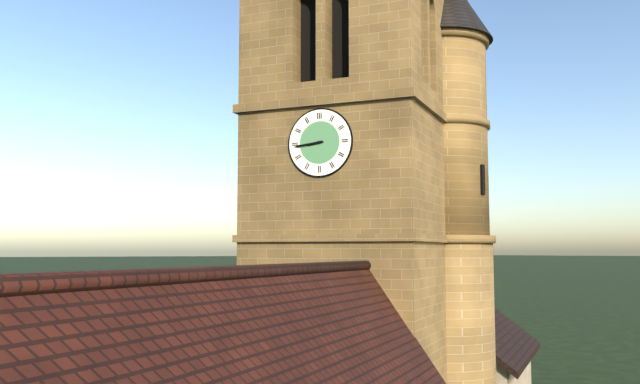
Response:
8.44
